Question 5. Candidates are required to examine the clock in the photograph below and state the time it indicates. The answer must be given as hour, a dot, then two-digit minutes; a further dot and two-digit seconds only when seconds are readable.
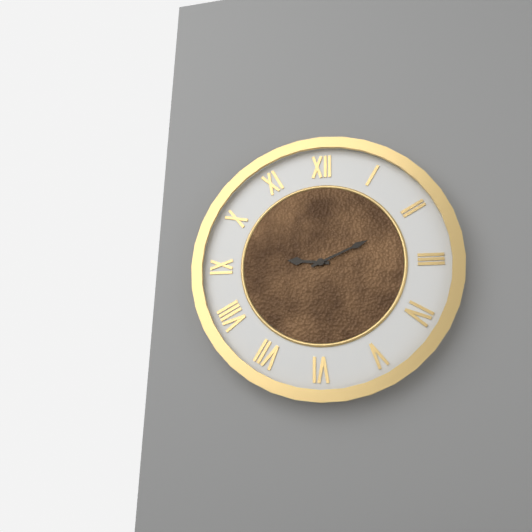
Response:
9.11
